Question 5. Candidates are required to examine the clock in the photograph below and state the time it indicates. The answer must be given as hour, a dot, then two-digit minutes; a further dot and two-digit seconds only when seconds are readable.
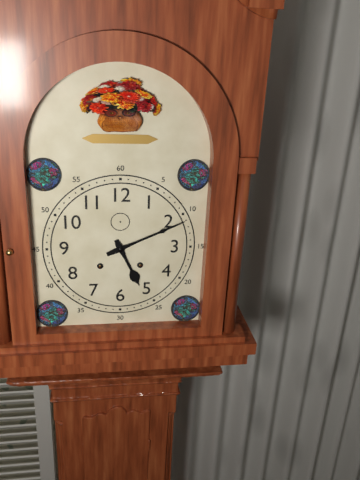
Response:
5.11
